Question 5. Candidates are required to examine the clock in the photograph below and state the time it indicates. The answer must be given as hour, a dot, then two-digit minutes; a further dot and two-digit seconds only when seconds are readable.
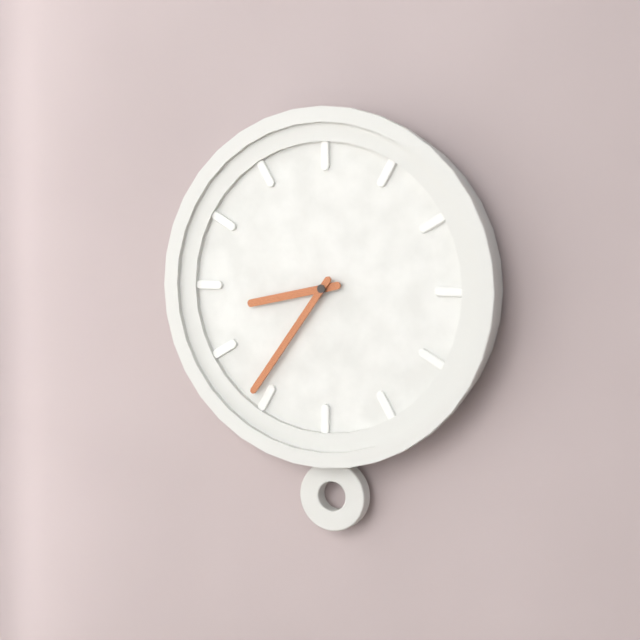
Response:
8.36
